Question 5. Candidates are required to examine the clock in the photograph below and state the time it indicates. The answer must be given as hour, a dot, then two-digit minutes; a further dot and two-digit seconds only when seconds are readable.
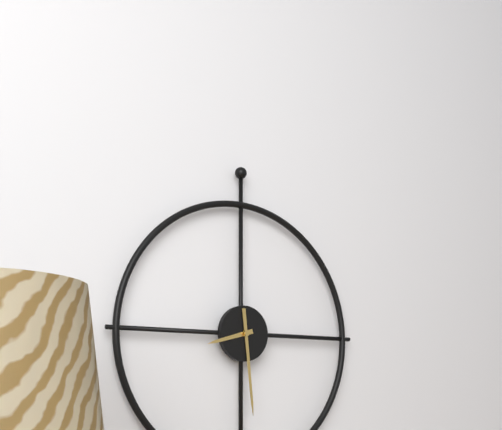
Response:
8.29
